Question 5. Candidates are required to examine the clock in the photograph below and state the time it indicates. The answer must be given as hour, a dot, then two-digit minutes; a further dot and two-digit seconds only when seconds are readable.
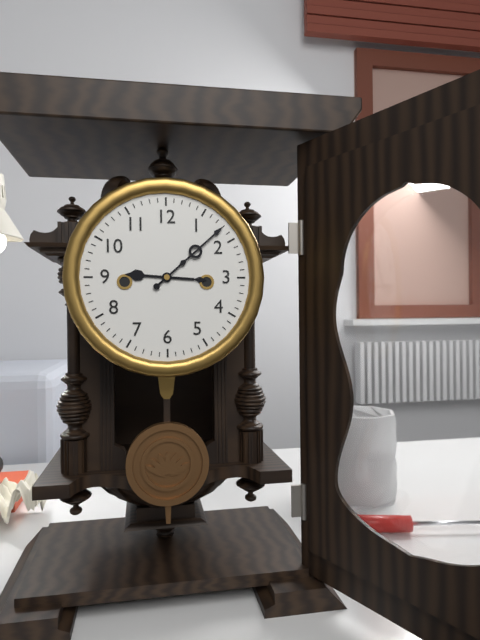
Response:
9.08
